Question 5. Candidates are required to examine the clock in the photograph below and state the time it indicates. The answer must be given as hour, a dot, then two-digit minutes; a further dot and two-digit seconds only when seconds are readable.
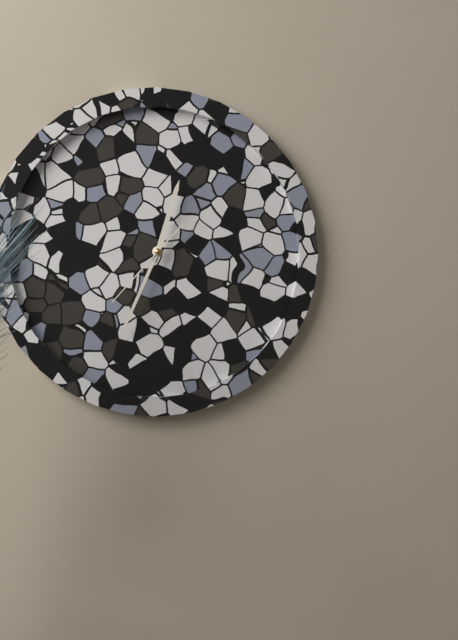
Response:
12.34.37
